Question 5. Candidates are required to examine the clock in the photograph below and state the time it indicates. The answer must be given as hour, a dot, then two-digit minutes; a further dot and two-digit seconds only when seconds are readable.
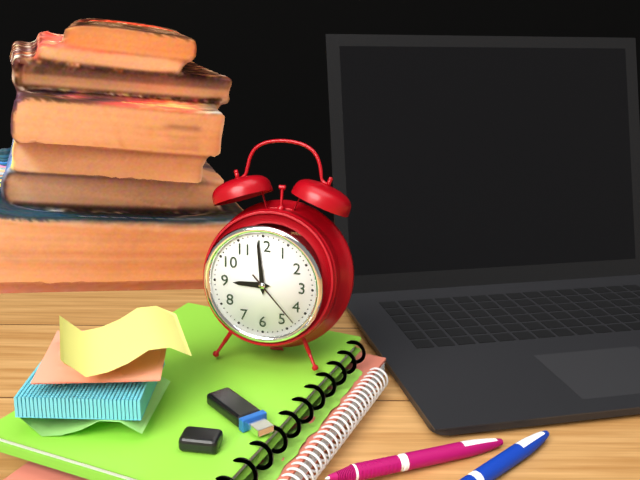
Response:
8.59.23
